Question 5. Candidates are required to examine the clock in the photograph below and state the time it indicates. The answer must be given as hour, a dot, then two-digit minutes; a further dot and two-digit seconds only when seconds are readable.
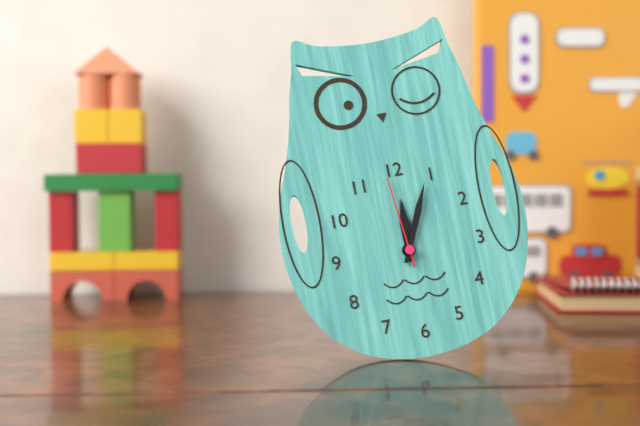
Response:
12.04.59
